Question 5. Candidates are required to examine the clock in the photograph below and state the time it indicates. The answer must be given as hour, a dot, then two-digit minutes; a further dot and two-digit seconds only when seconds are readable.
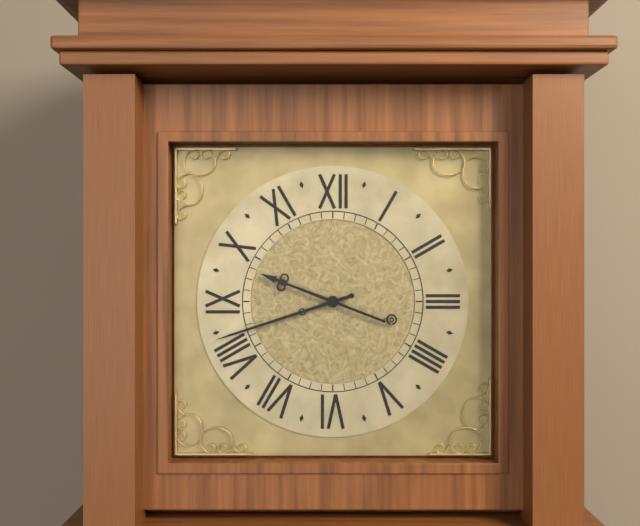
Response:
9.42
